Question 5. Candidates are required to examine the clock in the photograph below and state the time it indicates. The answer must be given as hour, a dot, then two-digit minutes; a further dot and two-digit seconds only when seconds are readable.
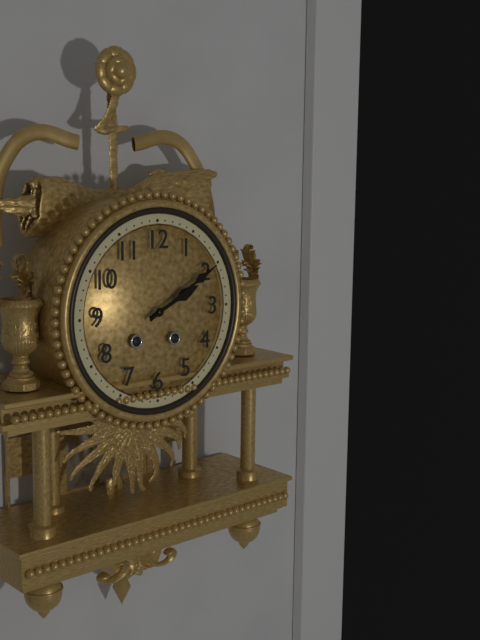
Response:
2.10
